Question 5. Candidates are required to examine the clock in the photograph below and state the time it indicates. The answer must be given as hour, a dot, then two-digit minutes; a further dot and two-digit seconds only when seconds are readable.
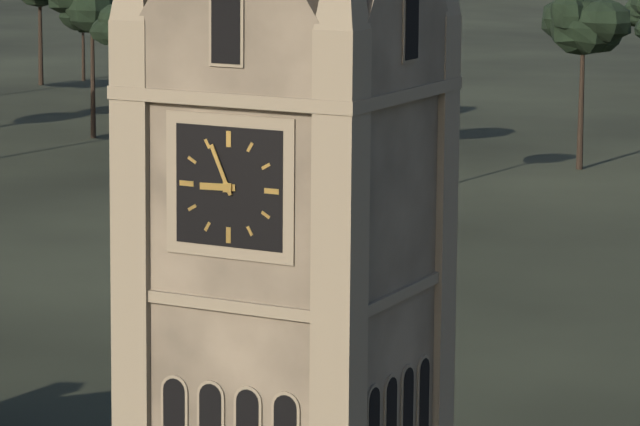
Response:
8.56
